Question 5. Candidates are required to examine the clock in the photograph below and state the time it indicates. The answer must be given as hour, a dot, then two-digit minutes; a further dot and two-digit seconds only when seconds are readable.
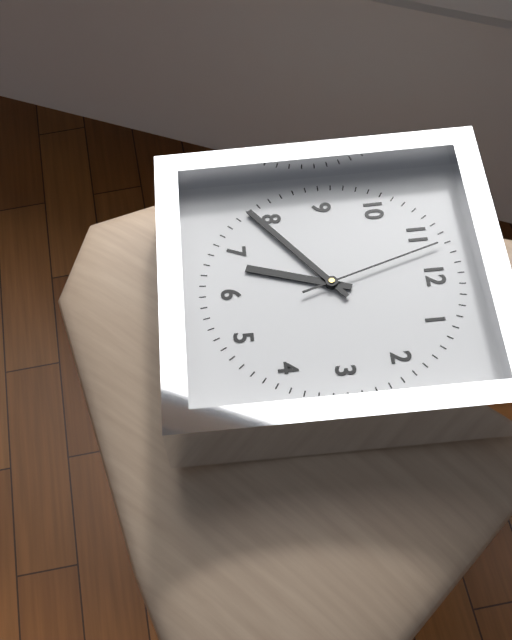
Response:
6.39.57
